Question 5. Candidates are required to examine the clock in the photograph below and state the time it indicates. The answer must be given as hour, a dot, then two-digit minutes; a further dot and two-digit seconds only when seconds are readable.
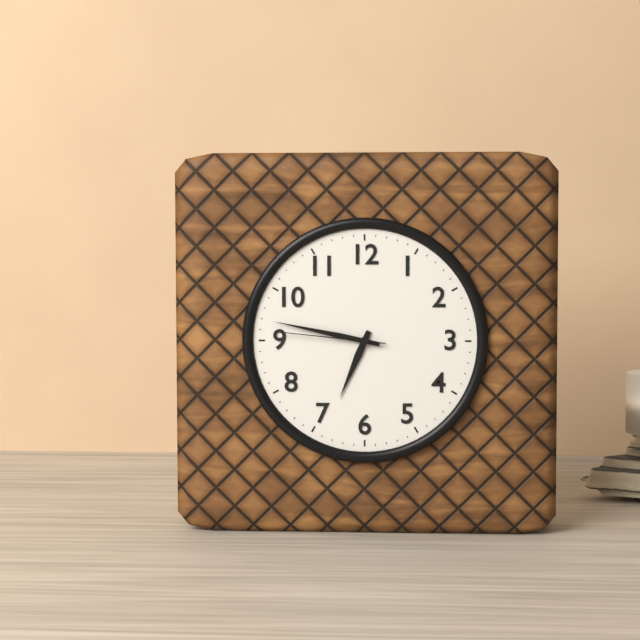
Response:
6.47.46
